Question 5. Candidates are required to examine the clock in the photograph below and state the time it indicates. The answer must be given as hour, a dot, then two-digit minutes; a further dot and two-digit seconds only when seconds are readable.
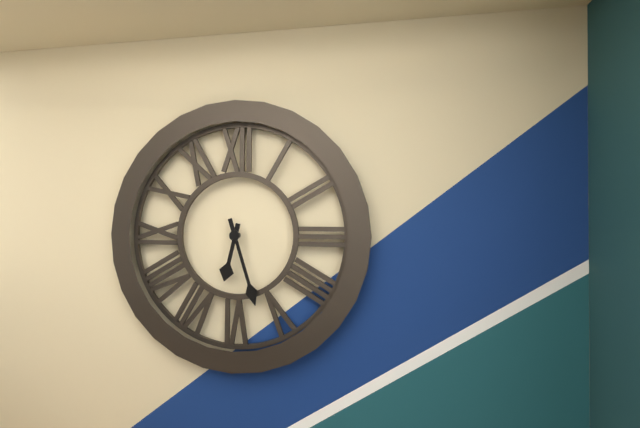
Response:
6.27
